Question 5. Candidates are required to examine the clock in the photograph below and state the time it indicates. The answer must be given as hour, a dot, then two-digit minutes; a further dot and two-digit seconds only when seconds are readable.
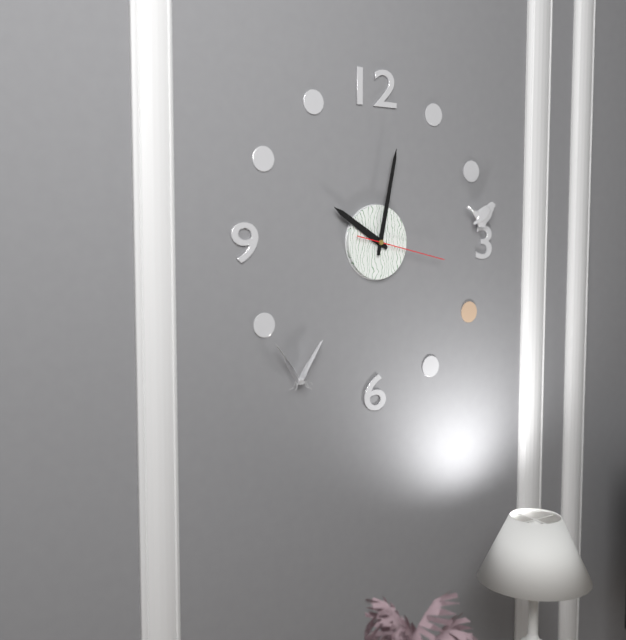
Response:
10.02.17
